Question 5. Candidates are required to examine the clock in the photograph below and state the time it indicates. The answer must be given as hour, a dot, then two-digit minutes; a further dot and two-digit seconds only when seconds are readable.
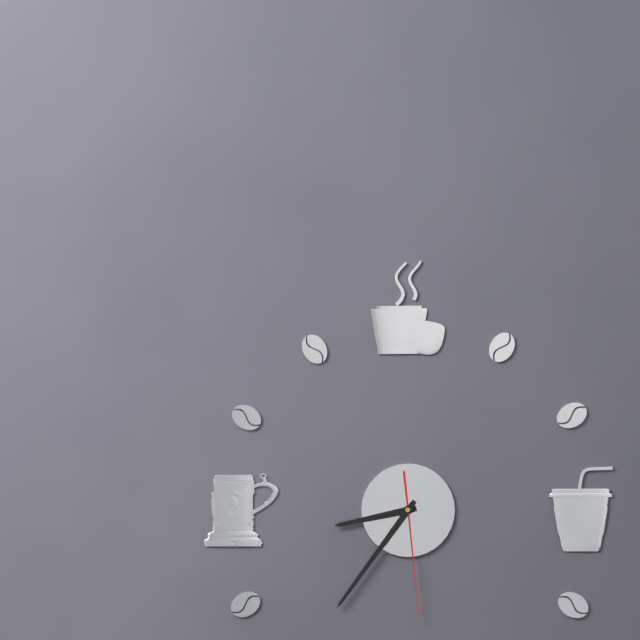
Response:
8.36.29
